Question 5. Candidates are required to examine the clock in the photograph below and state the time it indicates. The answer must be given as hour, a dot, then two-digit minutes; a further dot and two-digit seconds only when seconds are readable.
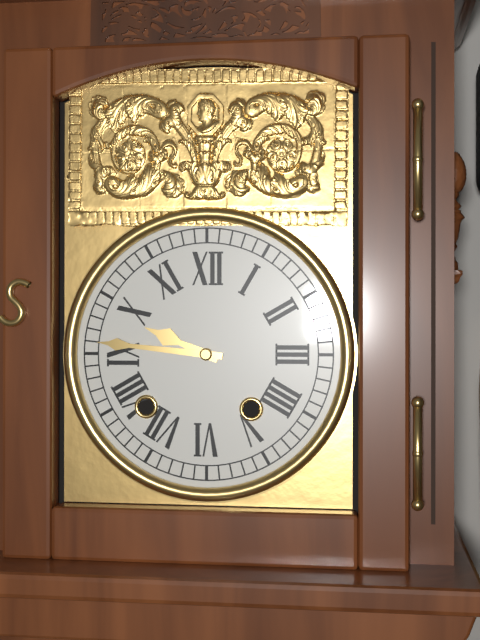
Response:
9.46
